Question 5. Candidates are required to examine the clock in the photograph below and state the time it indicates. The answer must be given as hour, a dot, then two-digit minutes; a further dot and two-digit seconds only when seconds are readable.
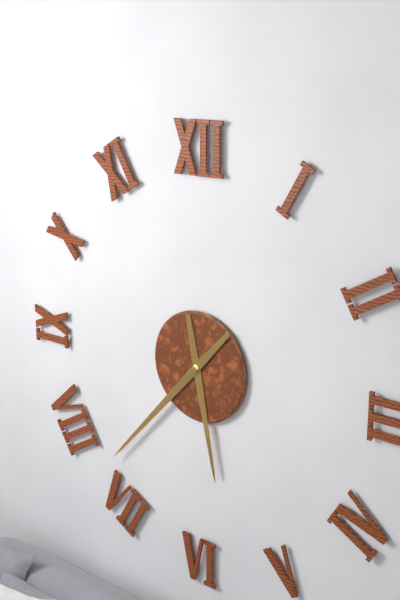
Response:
5.37
